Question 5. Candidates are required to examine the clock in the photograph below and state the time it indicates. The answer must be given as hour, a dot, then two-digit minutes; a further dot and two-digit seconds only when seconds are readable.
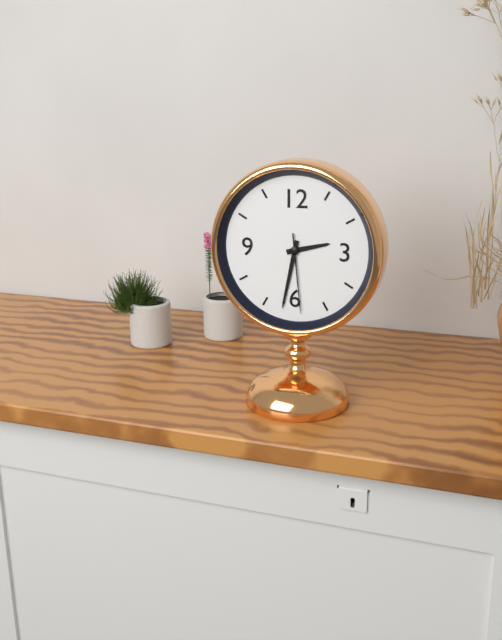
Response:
2.32.29
